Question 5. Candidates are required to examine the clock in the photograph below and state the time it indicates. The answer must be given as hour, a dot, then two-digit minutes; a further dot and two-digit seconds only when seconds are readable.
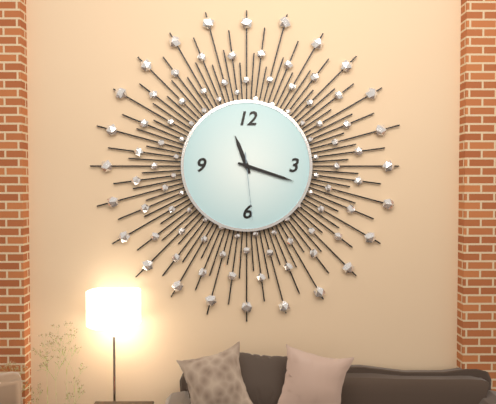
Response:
11.18.29
